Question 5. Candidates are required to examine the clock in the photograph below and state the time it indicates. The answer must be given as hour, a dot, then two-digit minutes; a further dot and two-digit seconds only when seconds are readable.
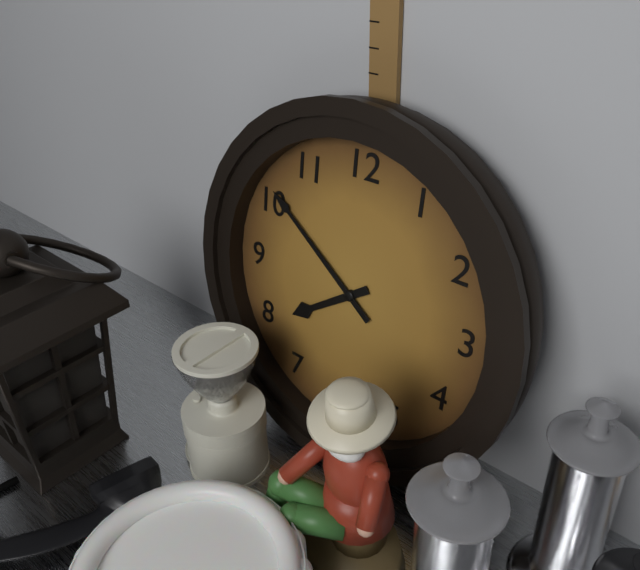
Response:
7.51
